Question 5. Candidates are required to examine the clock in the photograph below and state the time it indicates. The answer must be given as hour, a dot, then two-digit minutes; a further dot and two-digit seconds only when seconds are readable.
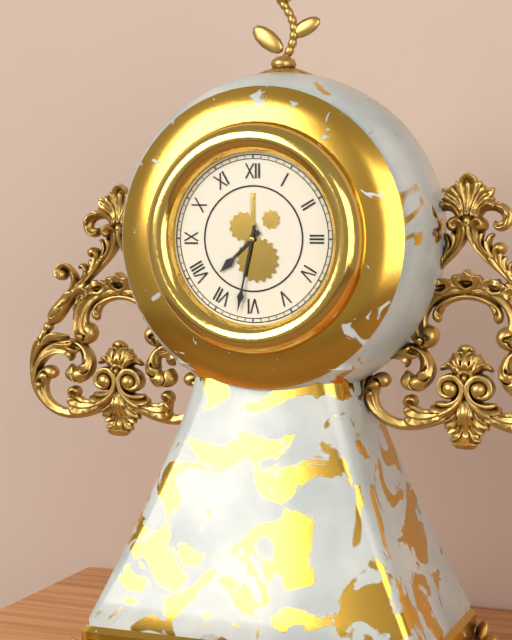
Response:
7.32
